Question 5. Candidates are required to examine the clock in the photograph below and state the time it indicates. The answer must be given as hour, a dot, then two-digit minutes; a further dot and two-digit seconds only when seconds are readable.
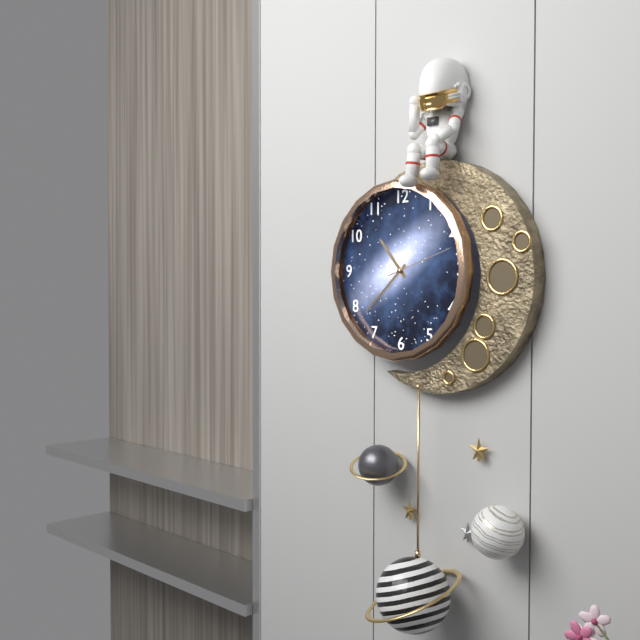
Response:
10.38.12
